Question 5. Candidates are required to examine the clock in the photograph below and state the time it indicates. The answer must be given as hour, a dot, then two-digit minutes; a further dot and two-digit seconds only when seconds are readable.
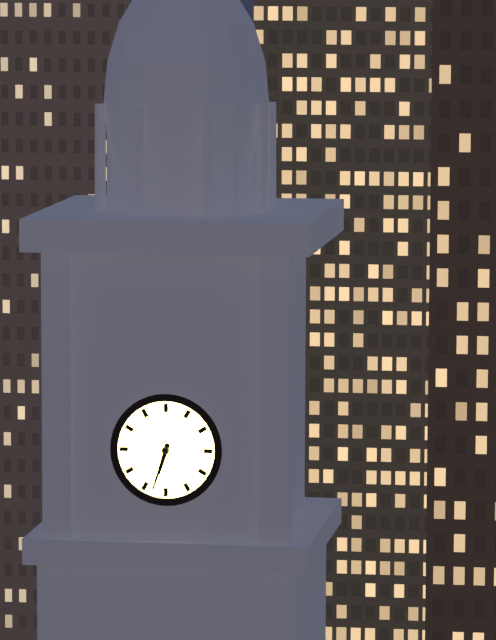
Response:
6.33
